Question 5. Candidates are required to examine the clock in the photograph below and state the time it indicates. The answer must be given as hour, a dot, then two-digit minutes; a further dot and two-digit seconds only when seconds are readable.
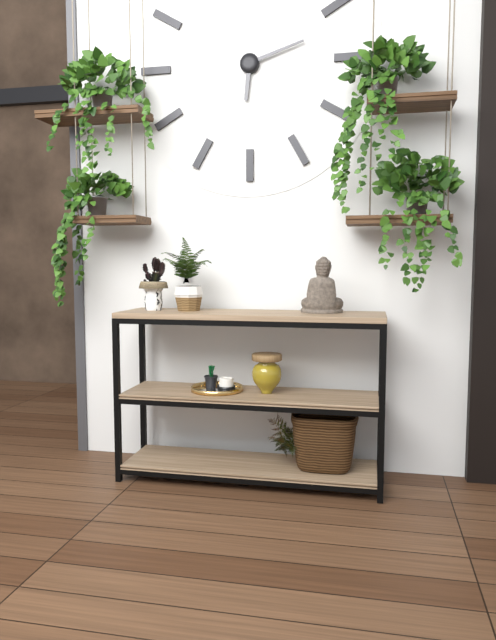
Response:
6.12
